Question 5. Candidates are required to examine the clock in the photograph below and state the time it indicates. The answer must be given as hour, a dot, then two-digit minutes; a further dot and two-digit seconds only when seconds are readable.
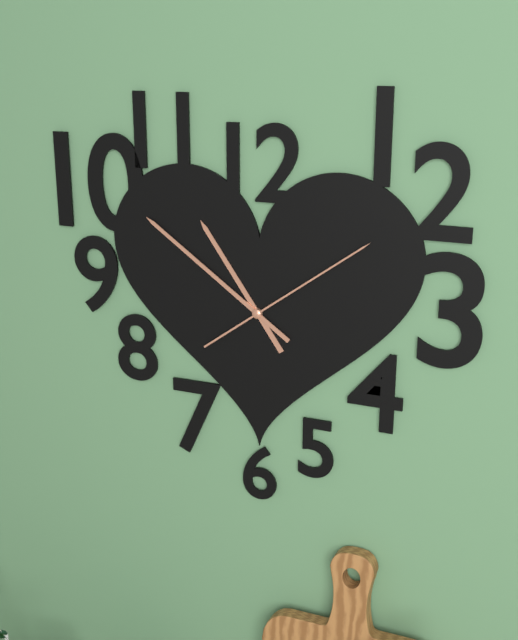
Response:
10.51.09
